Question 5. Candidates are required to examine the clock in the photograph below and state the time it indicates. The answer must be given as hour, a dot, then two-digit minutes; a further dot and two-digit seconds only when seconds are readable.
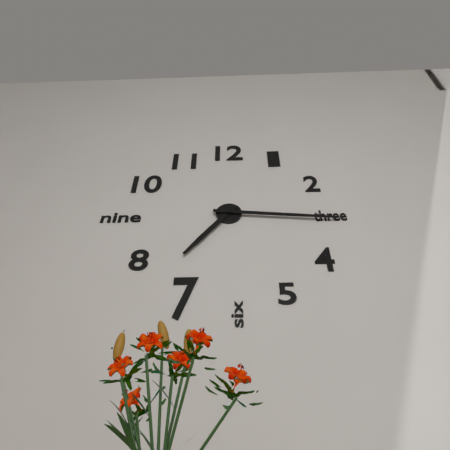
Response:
7.16
